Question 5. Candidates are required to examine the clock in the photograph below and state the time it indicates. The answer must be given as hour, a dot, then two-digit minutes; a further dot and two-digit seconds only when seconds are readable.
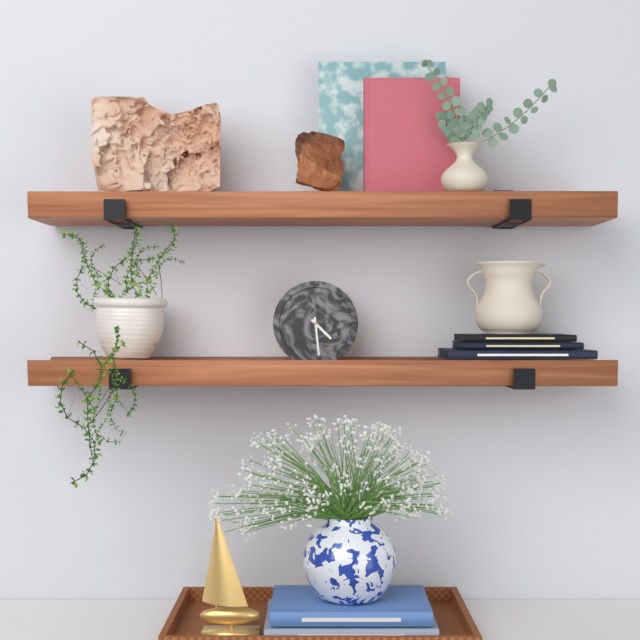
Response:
4.29
